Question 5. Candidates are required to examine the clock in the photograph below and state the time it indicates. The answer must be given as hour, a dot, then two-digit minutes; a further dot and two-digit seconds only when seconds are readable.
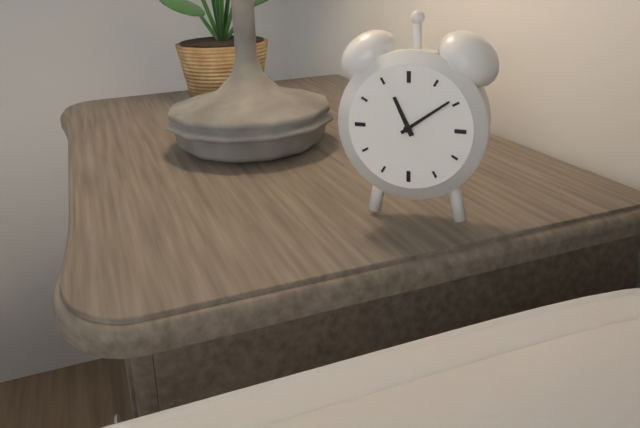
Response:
11.09
